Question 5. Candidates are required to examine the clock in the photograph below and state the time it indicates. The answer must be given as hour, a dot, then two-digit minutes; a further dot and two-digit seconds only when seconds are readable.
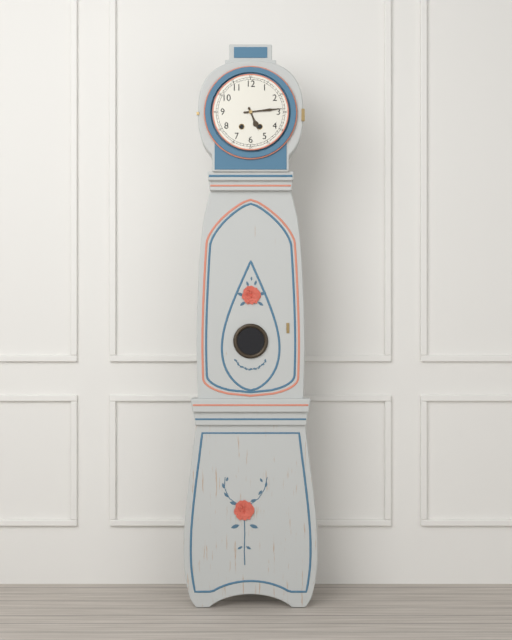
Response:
5.14
